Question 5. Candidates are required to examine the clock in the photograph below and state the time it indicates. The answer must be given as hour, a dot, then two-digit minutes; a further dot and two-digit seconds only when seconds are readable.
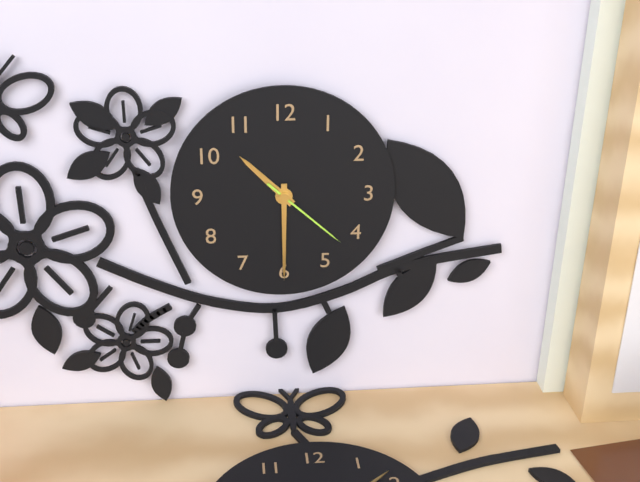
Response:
10.30.22
